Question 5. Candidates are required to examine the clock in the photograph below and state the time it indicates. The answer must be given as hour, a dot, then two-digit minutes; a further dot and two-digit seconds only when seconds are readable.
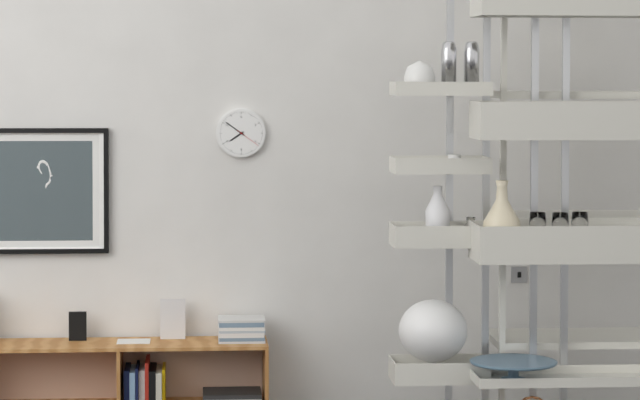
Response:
7.51
